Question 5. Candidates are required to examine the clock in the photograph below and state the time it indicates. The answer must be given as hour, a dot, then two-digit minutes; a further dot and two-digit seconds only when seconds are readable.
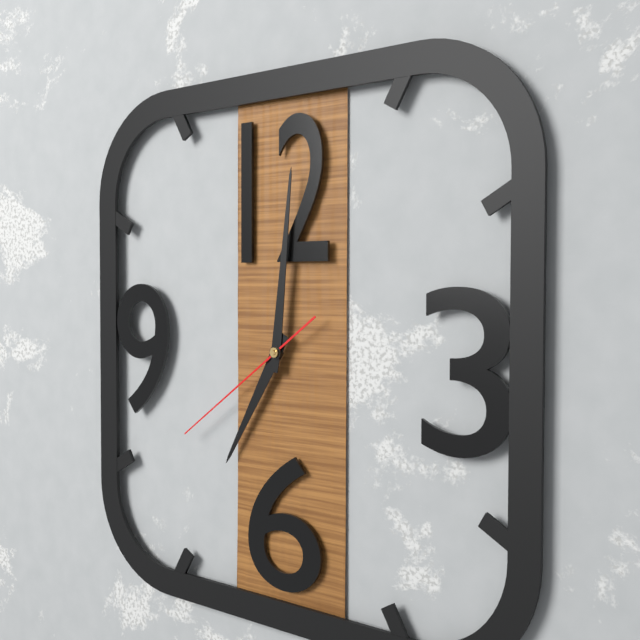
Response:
7.01.39
